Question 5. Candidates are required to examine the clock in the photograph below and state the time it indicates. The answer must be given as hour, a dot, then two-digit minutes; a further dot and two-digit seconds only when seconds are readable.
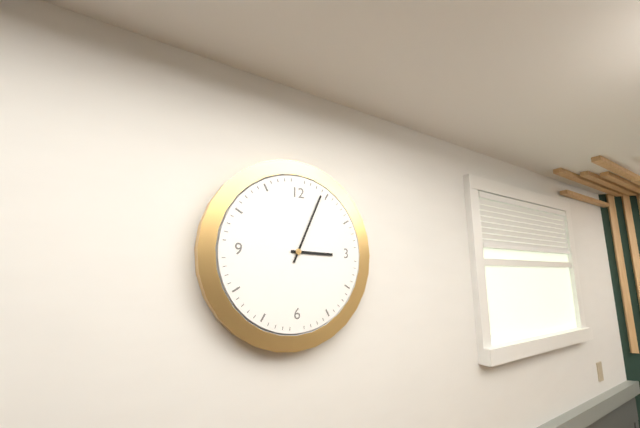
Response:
3.04
